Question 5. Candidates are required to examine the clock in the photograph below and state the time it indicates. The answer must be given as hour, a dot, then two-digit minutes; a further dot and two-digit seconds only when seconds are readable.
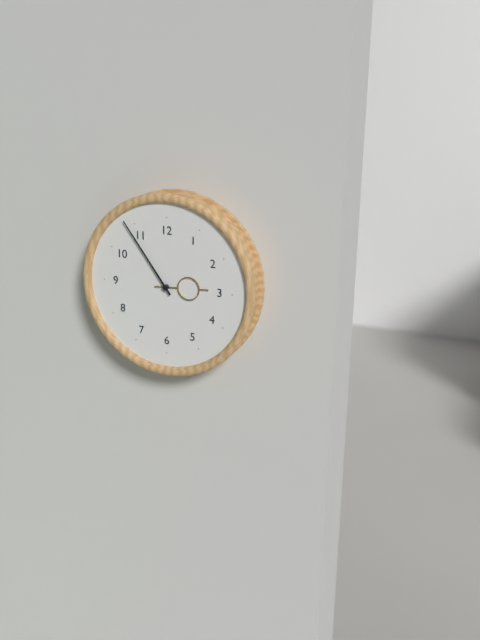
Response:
2.54
